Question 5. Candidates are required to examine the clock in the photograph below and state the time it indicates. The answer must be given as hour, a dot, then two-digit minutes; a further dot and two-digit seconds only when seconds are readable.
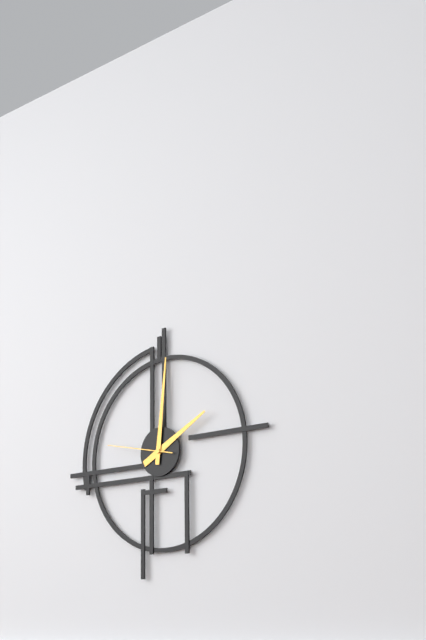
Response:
2.01.47
